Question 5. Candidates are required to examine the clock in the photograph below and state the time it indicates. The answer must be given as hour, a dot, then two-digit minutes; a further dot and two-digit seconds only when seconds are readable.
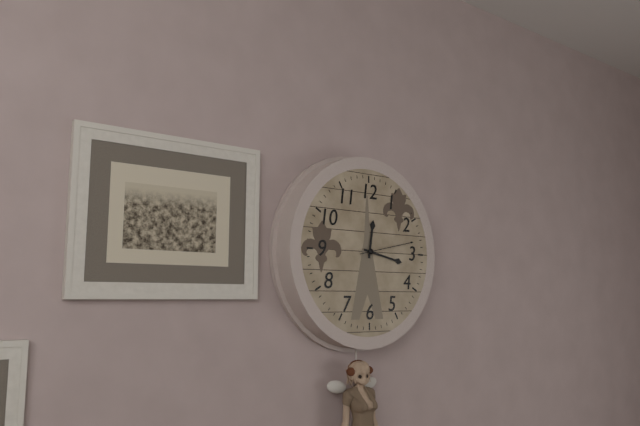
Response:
12.17.13
